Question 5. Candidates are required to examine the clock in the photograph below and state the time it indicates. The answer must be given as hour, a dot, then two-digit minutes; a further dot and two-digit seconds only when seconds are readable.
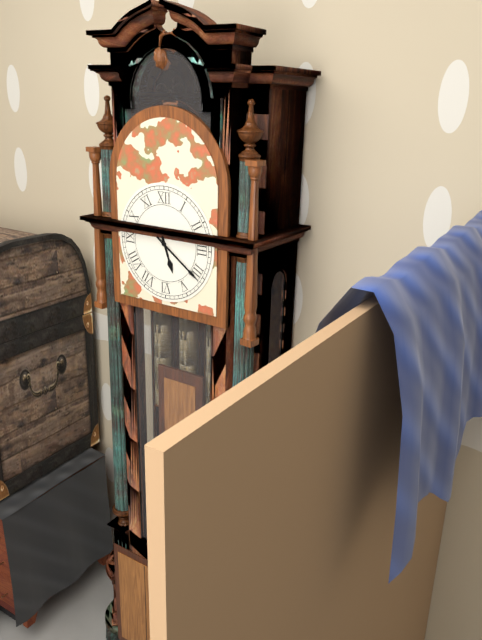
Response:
5.21
